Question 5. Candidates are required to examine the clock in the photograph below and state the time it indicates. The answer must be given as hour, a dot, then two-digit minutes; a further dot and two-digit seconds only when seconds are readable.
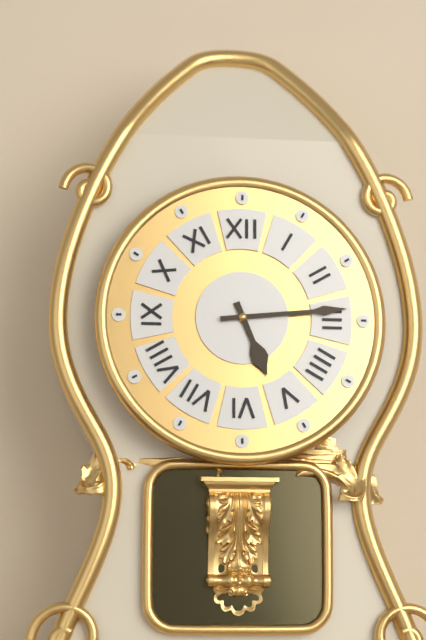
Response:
5.14
